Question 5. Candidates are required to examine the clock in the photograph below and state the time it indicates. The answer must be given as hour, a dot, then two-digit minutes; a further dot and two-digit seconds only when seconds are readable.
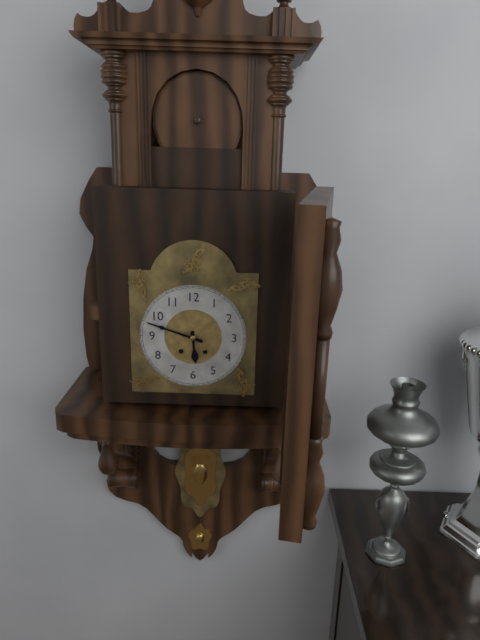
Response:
5.48
